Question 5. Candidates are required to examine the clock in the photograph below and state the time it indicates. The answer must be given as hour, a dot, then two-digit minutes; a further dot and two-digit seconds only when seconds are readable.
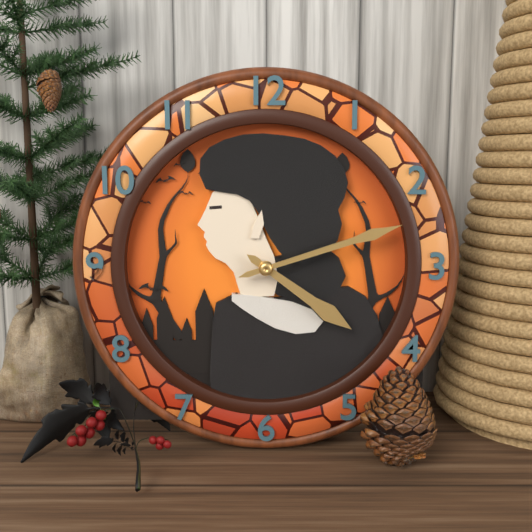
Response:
4.12
